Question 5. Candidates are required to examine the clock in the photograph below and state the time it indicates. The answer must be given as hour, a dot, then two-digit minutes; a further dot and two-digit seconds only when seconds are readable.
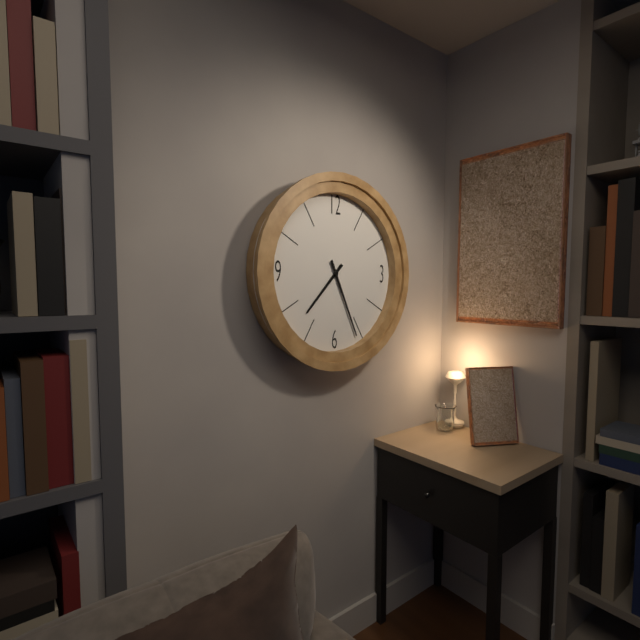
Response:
7.26
